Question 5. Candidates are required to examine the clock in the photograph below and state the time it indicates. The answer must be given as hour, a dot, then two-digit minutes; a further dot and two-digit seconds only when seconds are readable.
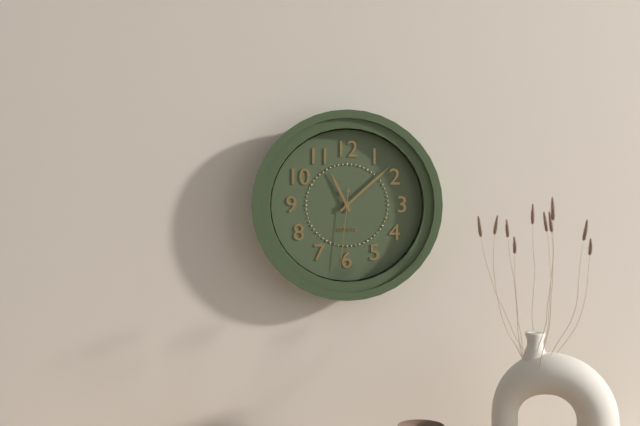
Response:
11.08.31
